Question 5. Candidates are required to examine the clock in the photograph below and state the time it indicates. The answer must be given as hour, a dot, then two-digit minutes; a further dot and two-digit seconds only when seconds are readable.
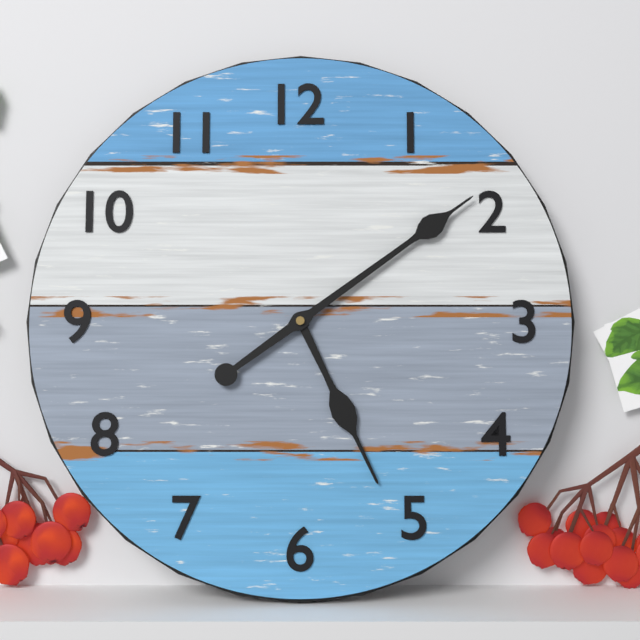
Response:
5.09
